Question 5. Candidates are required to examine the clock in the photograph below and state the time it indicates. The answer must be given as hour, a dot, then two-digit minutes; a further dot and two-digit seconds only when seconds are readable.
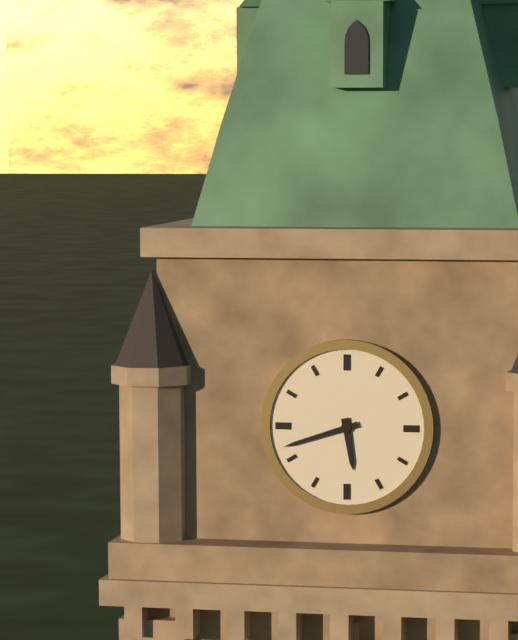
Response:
5.42
